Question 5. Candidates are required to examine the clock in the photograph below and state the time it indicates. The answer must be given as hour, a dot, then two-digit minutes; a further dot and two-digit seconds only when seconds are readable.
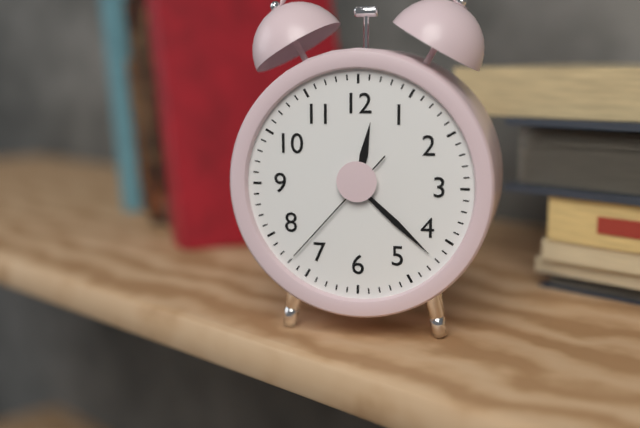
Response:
12.22.37
